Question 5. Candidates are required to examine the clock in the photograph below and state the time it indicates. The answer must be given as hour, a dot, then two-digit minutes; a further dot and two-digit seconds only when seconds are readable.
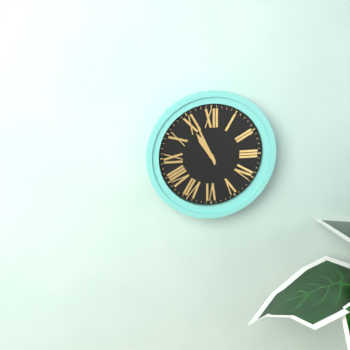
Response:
10.56
